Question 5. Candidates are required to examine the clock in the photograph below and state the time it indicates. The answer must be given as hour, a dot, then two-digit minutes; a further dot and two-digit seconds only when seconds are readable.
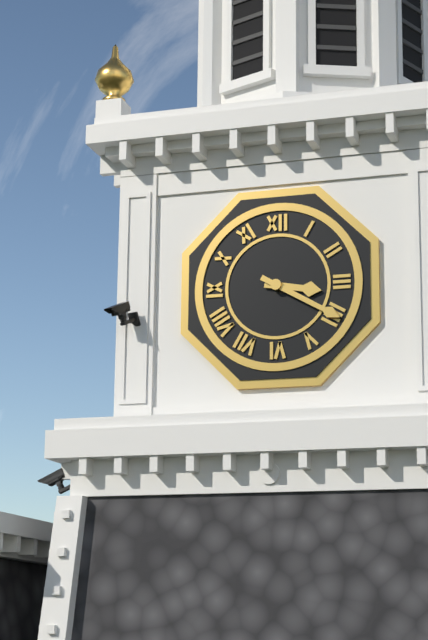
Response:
3.20
